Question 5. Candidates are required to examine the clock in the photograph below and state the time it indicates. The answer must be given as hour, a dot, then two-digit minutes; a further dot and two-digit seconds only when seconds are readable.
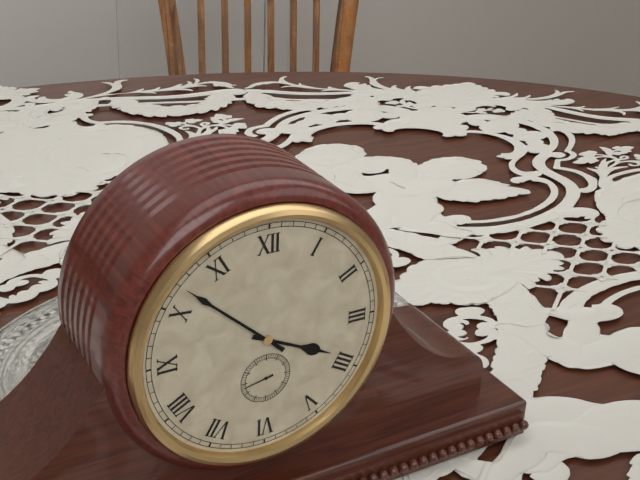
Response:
3.52.43
